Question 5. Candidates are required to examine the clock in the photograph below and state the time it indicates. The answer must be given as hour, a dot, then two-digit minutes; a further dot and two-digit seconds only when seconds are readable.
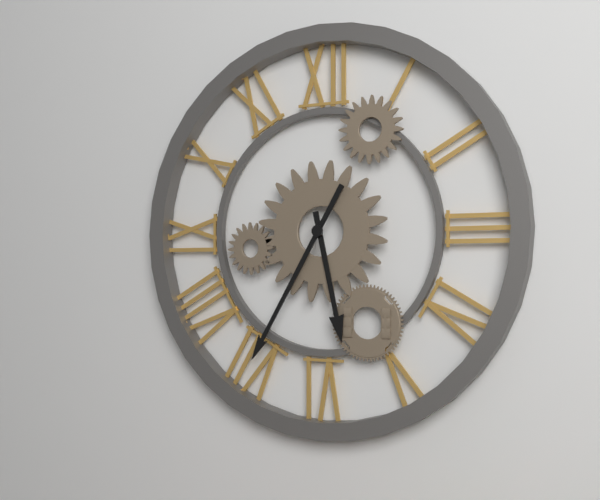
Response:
5.35
